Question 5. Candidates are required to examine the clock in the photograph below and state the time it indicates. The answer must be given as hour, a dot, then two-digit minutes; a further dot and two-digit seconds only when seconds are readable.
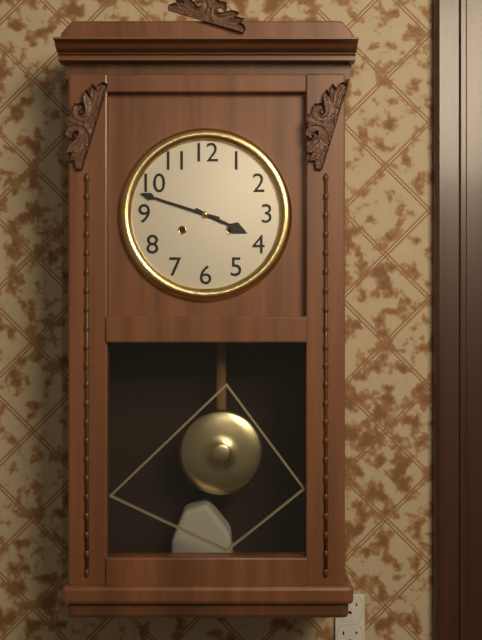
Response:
3.48
